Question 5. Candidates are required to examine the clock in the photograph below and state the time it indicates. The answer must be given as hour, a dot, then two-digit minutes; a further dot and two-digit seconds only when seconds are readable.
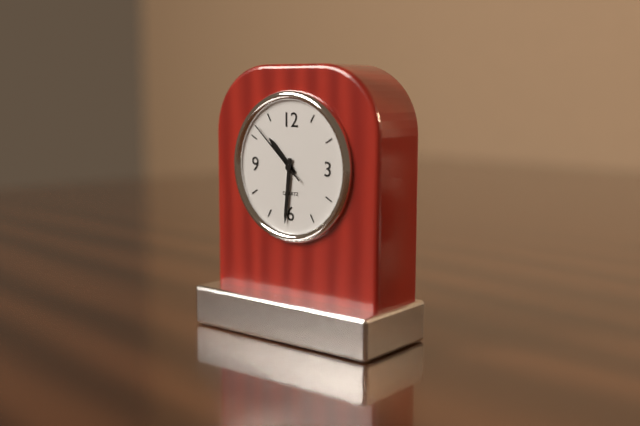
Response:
10.31.52
